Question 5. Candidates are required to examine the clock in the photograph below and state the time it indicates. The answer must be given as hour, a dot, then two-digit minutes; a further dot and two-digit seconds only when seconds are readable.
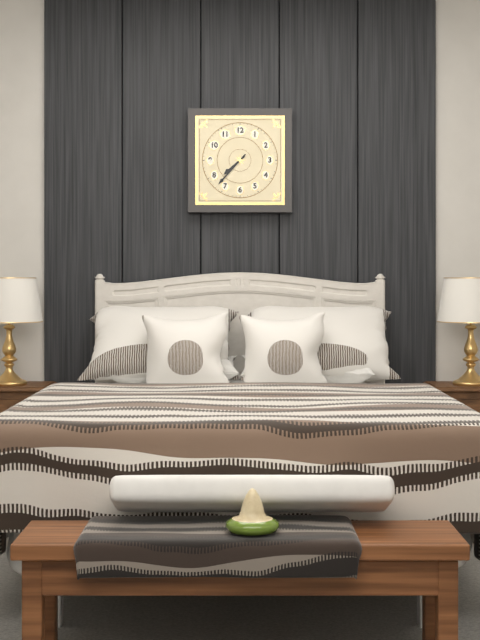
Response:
7.37
